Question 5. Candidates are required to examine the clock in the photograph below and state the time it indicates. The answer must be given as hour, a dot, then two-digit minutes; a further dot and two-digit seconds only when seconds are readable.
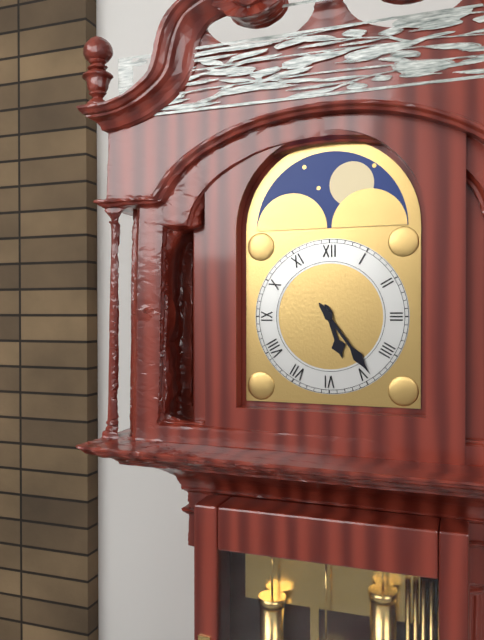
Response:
5.24
